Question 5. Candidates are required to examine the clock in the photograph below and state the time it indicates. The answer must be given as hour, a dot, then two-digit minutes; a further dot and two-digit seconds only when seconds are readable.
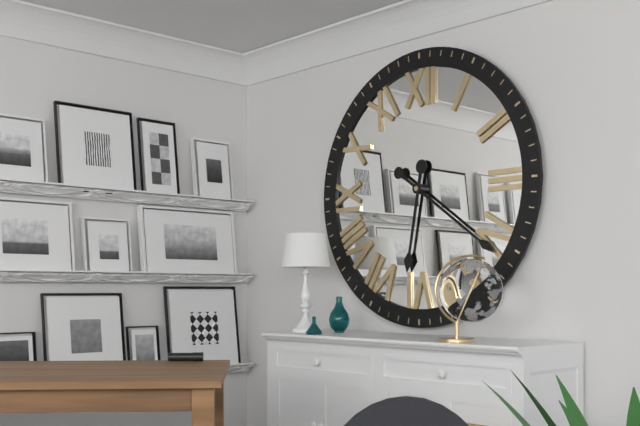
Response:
6.21
